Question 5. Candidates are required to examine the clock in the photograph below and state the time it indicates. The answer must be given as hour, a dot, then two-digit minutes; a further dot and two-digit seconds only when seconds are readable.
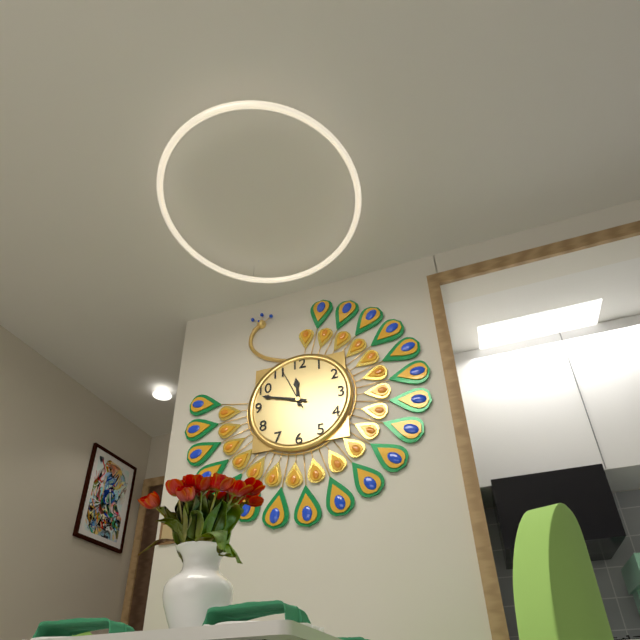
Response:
11.48
